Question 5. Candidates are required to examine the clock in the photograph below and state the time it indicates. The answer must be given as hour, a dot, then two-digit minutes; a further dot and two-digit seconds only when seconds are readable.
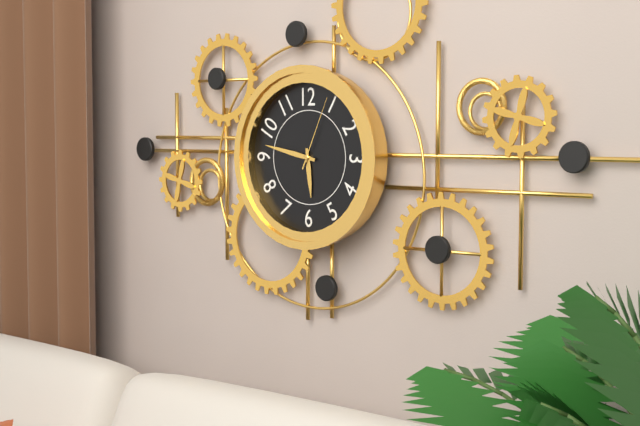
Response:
5.47.04
